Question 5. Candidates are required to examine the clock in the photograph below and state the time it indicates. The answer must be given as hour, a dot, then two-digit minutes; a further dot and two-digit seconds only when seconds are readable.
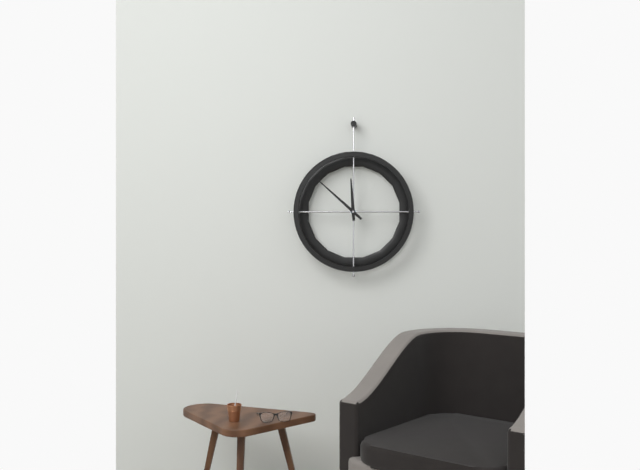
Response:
11.52
